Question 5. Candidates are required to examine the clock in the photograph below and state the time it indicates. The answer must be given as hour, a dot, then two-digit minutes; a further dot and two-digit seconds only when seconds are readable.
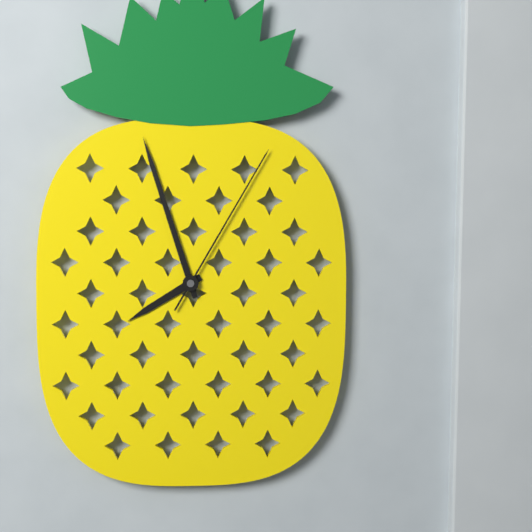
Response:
7.57.05
